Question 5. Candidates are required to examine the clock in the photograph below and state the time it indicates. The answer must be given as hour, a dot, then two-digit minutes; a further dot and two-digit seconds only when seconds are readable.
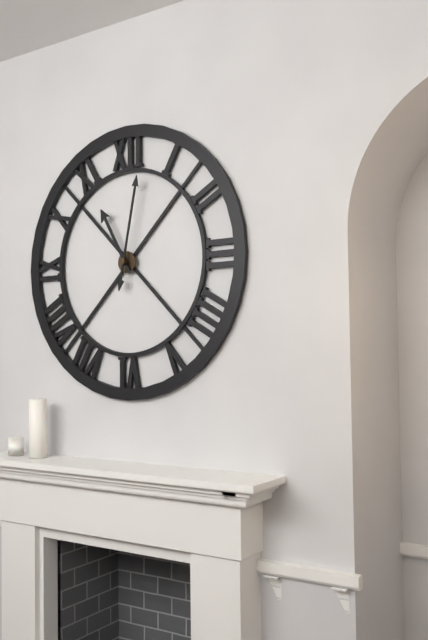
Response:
11.02
